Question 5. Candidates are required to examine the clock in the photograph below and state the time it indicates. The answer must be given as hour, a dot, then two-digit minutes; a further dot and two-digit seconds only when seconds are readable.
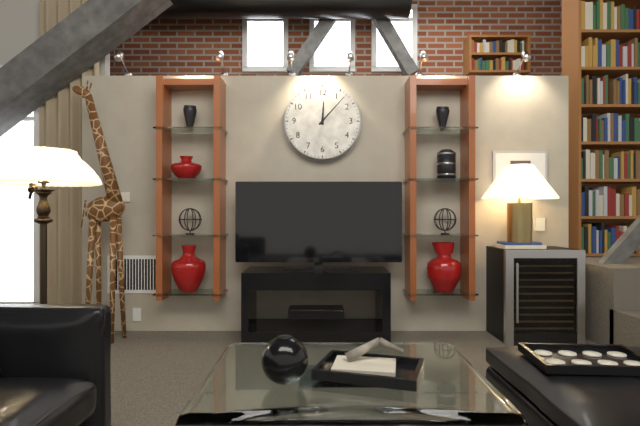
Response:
12.07
